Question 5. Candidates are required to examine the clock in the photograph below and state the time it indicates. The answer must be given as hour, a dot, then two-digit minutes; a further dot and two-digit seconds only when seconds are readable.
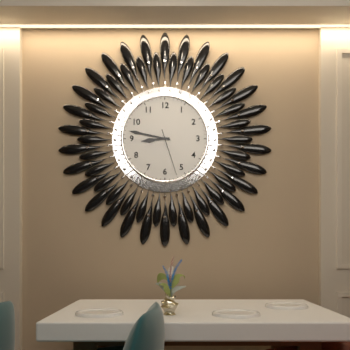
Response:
8.47
